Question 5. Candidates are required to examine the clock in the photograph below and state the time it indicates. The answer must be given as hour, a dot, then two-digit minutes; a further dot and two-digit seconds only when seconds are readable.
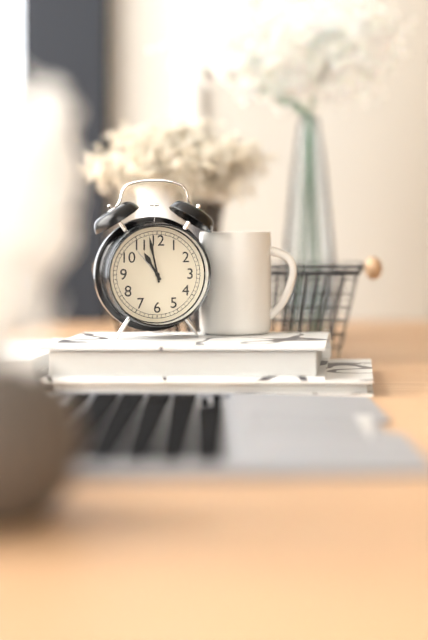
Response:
10.58
